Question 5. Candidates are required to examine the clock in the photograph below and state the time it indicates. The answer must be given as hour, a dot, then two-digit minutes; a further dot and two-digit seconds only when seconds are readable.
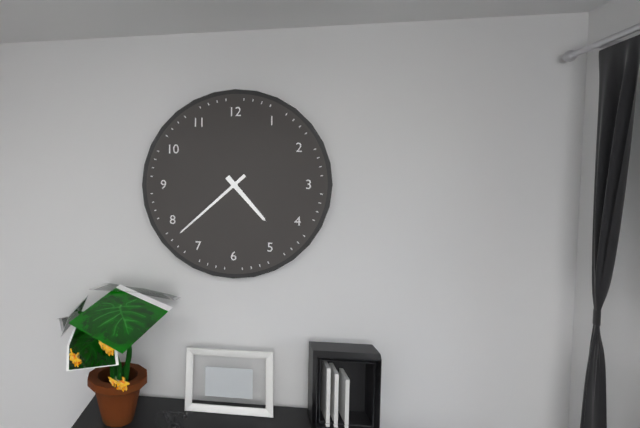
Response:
4.38
